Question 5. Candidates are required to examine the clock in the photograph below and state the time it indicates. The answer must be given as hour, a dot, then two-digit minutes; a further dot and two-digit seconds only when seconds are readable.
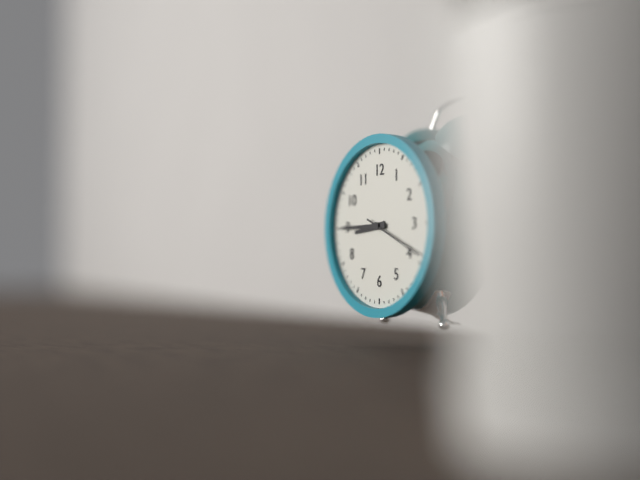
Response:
8.45.19
